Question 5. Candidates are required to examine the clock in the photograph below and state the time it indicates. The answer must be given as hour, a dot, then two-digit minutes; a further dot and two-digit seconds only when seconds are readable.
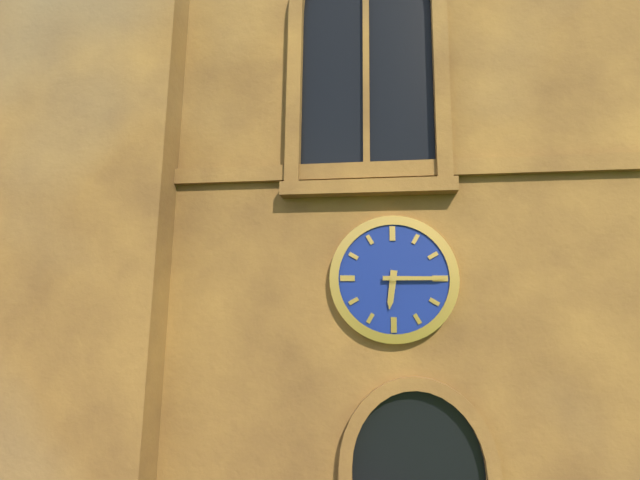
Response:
6.15
